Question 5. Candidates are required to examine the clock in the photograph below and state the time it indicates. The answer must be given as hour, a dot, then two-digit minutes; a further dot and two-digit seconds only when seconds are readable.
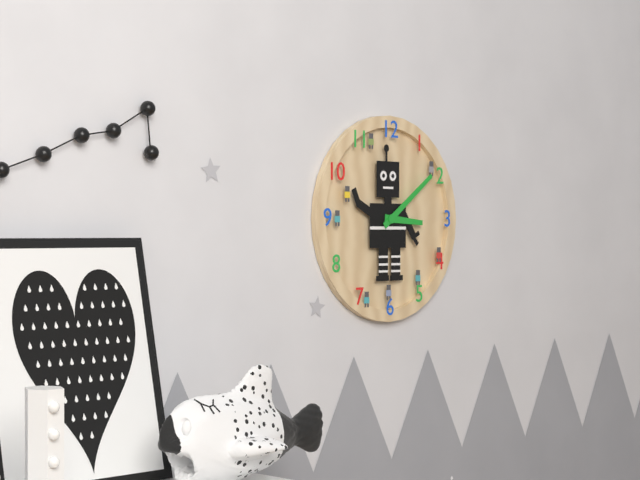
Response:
3.09
